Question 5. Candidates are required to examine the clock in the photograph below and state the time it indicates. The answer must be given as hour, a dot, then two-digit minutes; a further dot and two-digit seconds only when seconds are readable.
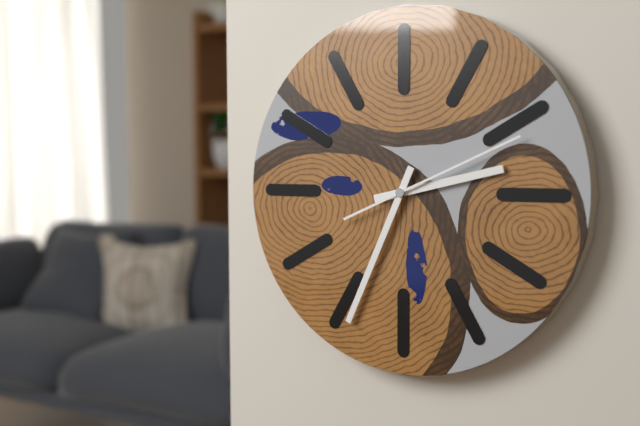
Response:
2.34.11
